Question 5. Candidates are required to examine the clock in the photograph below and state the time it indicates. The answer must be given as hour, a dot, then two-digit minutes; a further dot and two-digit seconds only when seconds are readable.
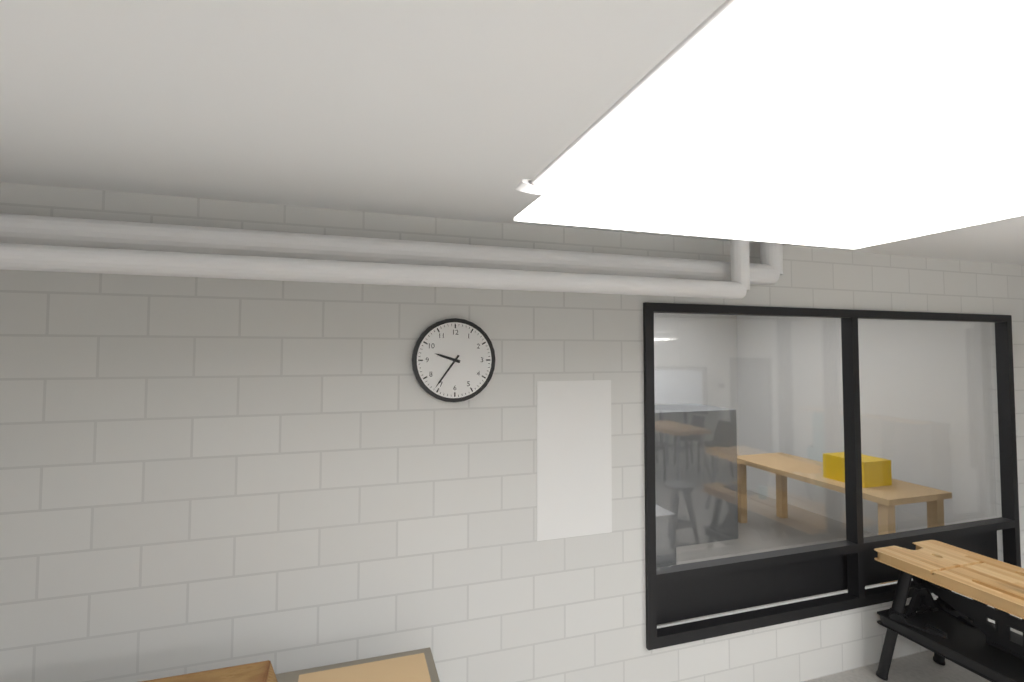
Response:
9.36
